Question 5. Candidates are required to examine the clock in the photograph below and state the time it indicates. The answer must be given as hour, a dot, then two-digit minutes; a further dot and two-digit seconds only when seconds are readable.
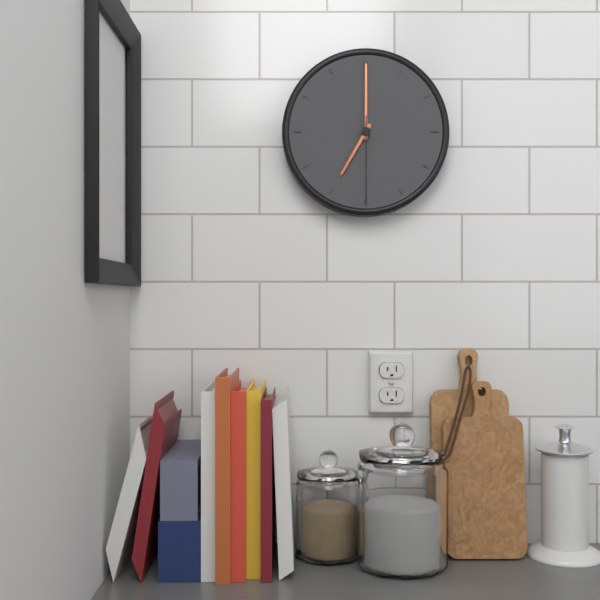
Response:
7.00.30
